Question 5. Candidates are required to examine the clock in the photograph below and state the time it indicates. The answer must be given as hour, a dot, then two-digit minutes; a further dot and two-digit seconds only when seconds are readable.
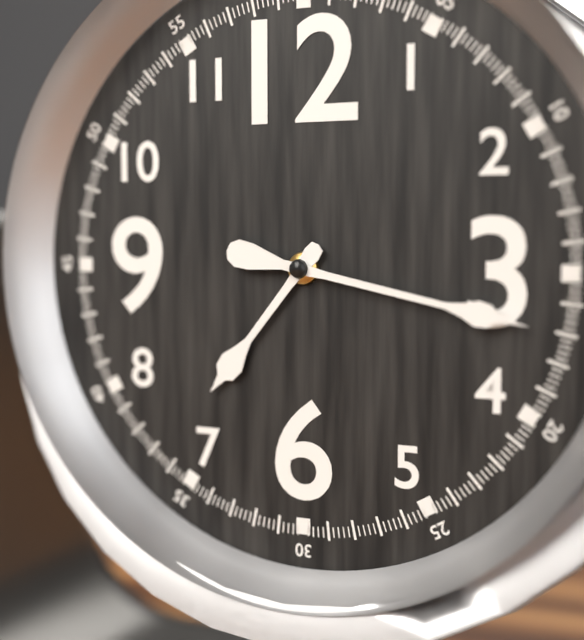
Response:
7.17
